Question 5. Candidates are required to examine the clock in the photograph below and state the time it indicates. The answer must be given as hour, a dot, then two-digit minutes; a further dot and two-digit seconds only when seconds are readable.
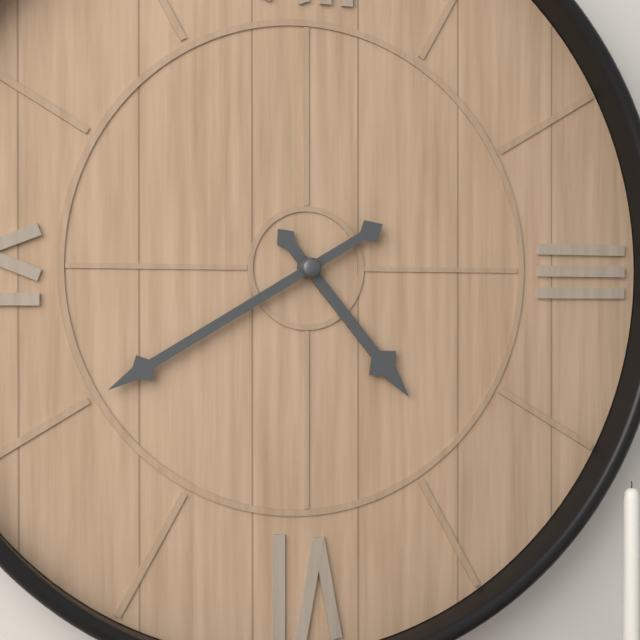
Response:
4.40
